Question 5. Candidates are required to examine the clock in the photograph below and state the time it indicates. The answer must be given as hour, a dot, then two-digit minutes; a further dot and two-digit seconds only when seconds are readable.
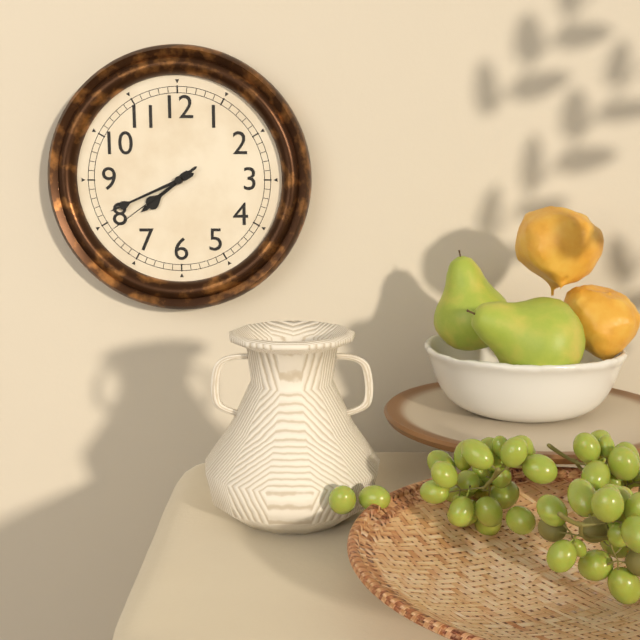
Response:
7.41.39
